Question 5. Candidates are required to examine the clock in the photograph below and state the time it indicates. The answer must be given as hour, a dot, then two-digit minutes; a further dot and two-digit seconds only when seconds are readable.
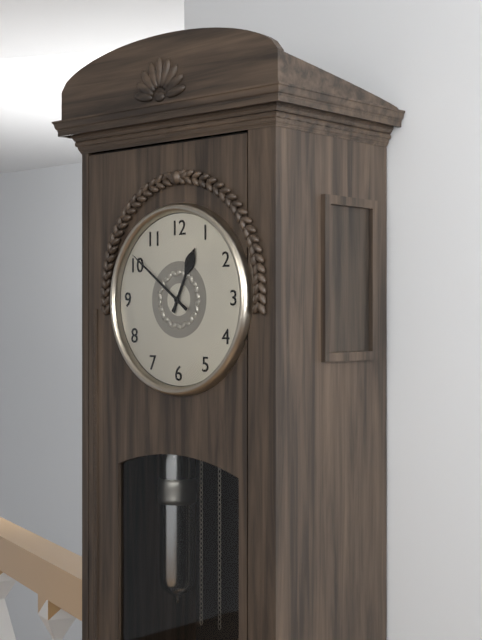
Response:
12.51
